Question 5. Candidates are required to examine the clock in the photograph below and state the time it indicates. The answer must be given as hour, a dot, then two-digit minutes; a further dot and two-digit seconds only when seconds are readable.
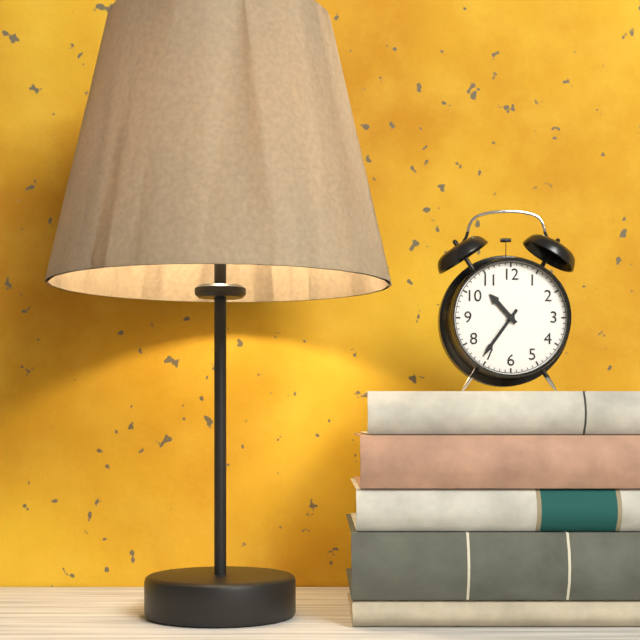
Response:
10.36
